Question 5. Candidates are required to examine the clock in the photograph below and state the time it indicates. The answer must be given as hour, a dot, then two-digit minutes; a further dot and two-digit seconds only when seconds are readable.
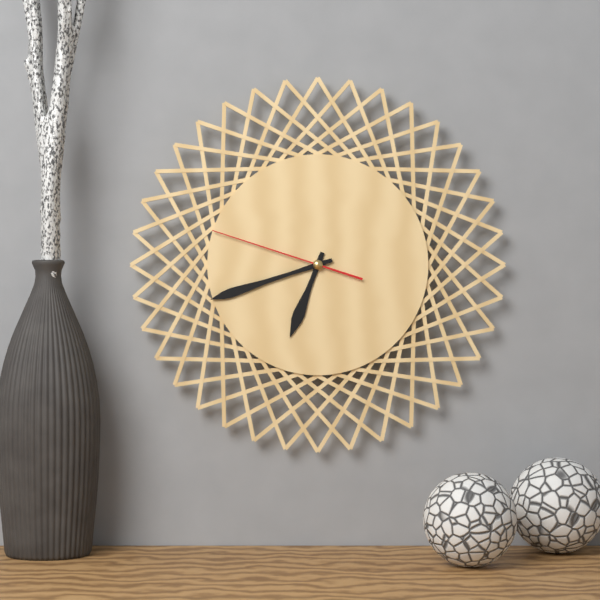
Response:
6.42.48
